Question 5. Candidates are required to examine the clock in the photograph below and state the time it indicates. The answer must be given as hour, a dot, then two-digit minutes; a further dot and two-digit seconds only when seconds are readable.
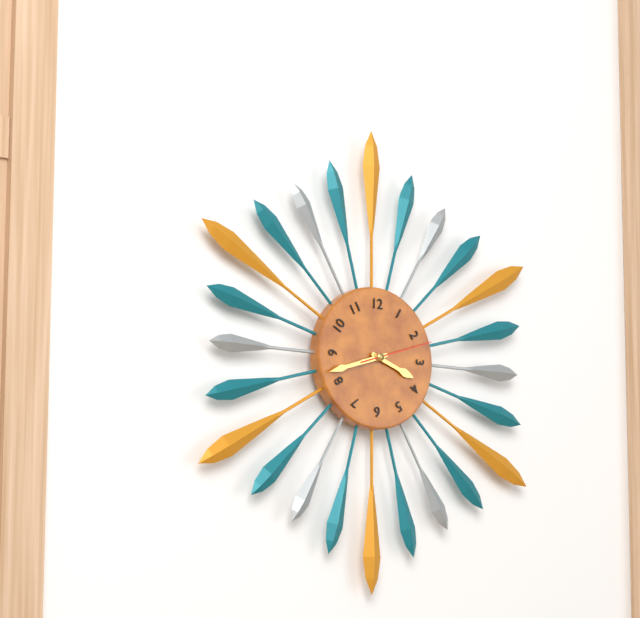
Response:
3.42.12
